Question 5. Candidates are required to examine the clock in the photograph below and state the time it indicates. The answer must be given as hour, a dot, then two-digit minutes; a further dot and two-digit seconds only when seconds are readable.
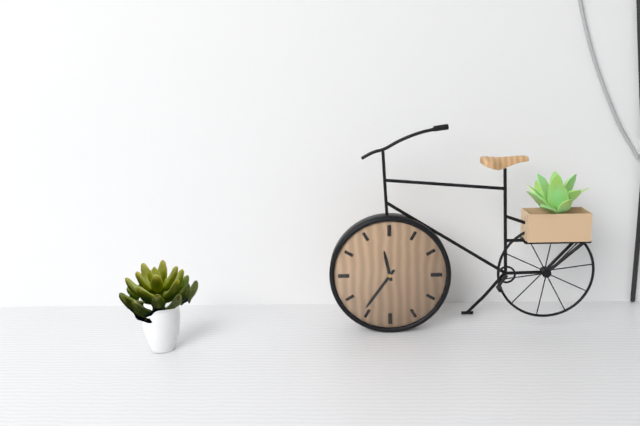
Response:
11.36
